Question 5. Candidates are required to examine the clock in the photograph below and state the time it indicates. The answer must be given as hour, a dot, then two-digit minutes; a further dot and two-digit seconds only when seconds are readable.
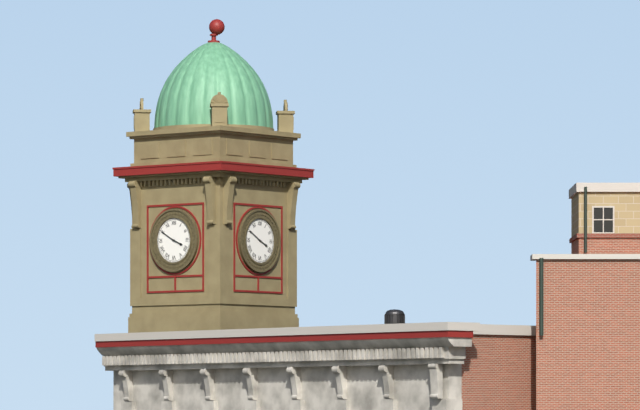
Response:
3.50
